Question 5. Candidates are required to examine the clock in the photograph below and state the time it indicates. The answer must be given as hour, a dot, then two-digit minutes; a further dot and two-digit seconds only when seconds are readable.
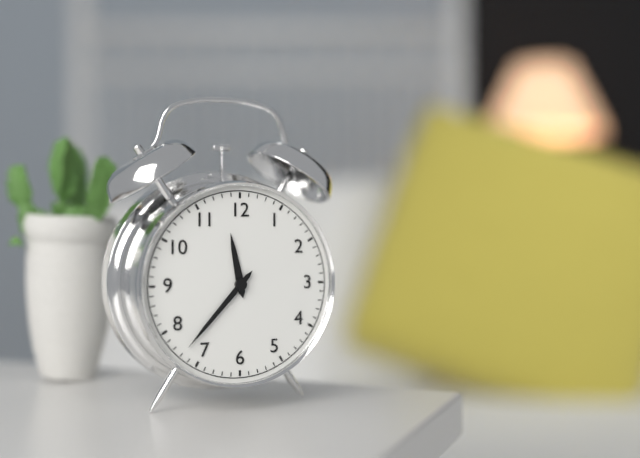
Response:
11.37
